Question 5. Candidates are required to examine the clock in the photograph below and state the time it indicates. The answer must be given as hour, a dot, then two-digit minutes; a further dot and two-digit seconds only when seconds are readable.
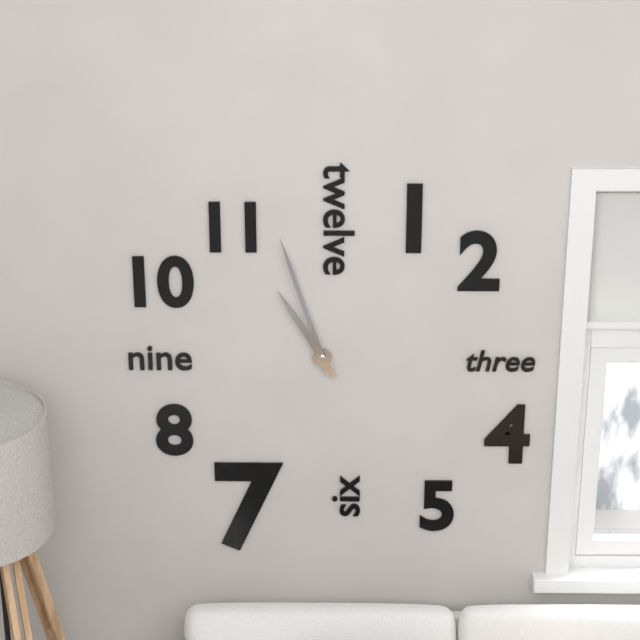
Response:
10.57
